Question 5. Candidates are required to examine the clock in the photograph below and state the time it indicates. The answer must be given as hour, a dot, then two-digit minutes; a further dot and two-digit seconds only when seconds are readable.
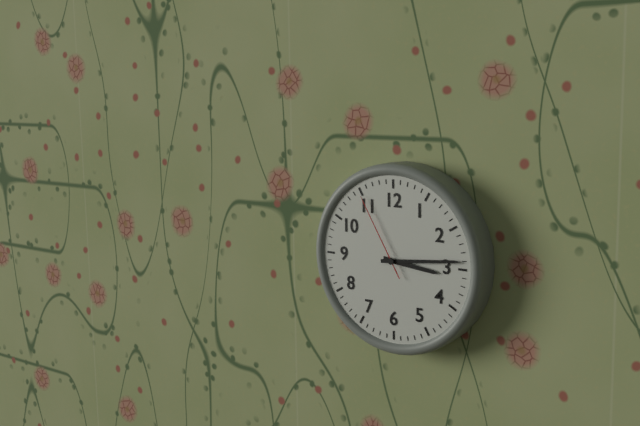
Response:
3.14.55
